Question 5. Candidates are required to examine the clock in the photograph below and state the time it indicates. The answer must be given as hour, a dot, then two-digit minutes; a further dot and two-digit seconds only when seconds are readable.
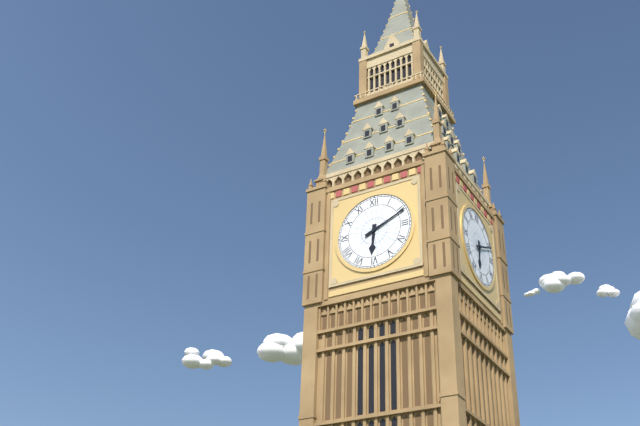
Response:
6.11
